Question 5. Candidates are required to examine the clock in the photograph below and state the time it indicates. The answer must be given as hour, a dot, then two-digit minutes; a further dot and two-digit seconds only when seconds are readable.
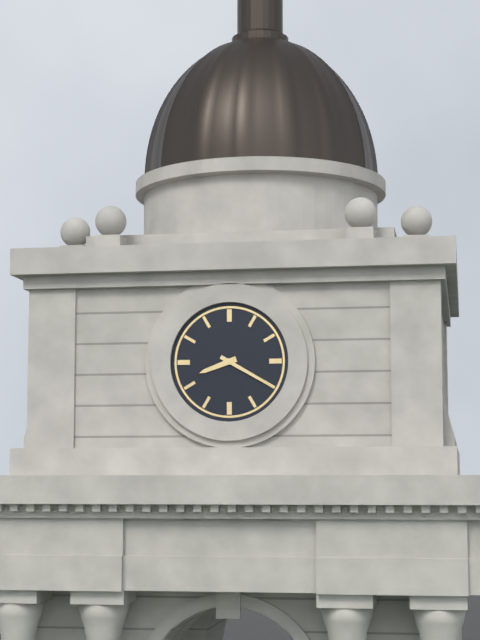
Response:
8.20
